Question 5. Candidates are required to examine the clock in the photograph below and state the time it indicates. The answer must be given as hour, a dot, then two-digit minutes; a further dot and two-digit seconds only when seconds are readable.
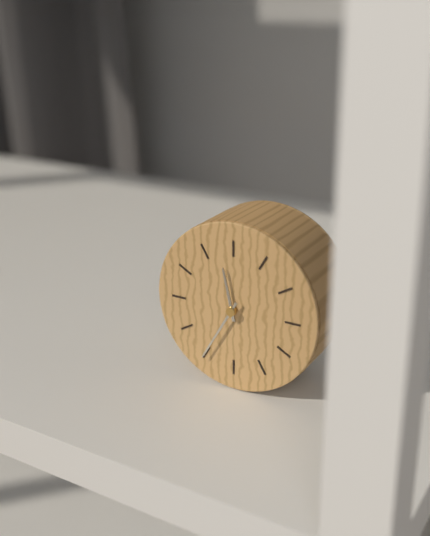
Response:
11.35
